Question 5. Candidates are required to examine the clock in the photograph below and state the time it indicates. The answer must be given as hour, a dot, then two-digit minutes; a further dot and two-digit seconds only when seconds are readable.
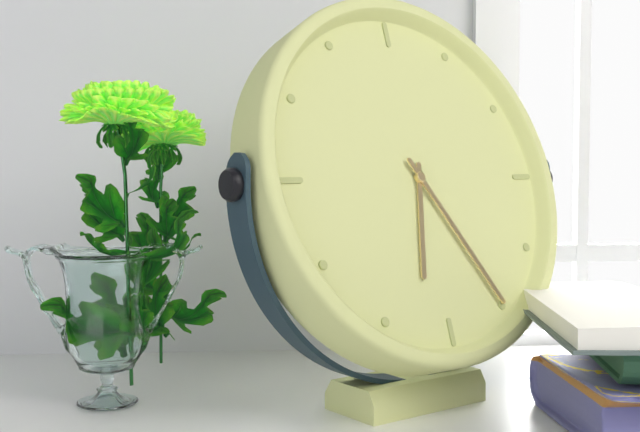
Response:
6.25
